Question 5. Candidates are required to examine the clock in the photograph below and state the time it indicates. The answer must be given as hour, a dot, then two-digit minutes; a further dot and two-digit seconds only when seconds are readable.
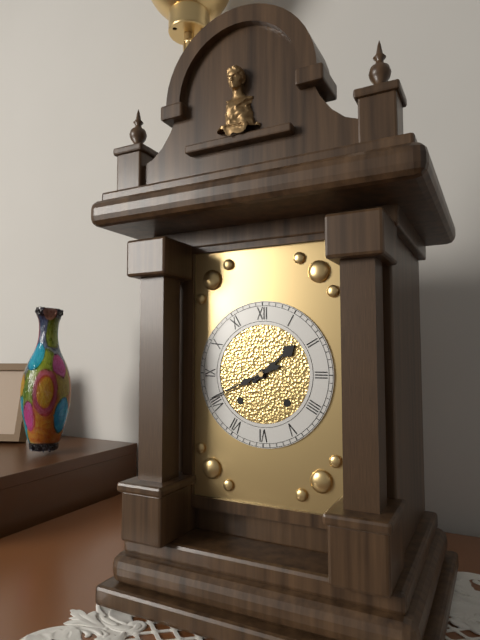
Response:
1.41
